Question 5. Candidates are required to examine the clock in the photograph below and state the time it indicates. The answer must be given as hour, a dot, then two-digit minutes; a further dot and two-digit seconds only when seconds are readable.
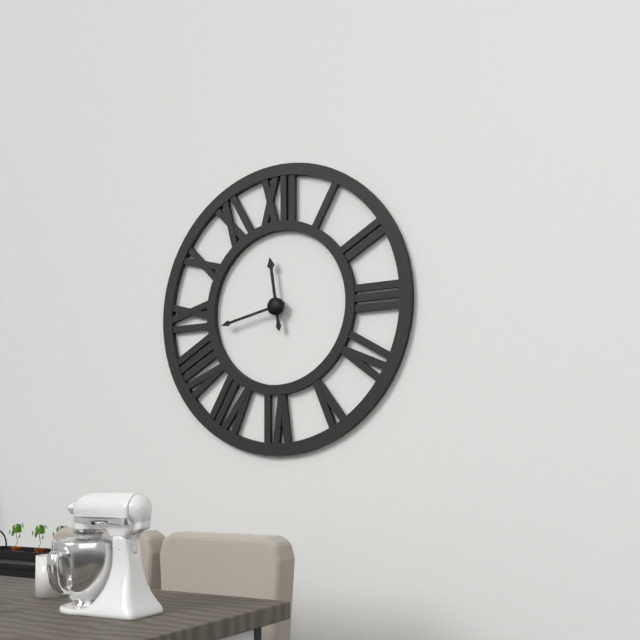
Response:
11.43
